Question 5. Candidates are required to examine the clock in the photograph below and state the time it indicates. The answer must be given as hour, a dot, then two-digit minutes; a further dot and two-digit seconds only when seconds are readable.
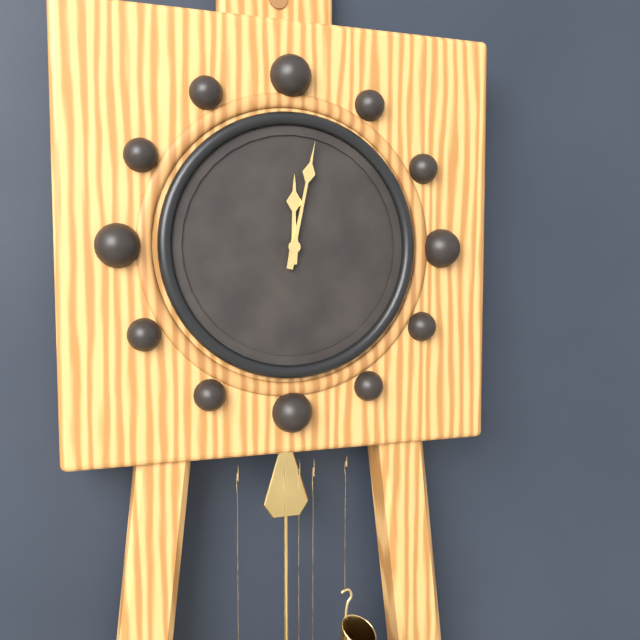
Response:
12.02
